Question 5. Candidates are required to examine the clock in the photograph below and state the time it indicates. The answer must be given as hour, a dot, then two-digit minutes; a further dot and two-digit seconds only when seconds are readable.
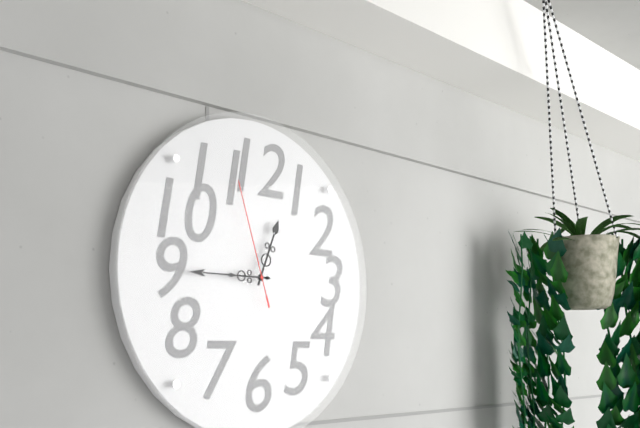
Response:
12.45.57
